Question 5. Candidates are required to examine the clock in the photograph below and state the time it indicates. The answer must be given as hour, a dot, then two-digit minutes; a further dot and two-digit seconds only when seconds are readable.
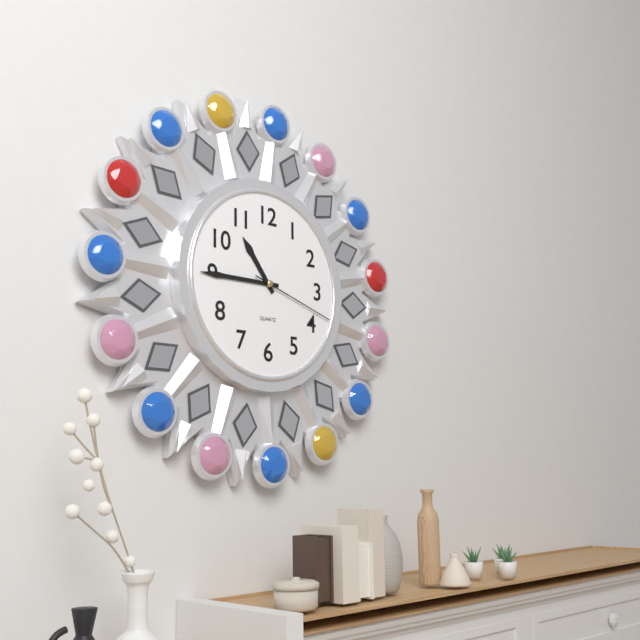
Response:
10.45.18
